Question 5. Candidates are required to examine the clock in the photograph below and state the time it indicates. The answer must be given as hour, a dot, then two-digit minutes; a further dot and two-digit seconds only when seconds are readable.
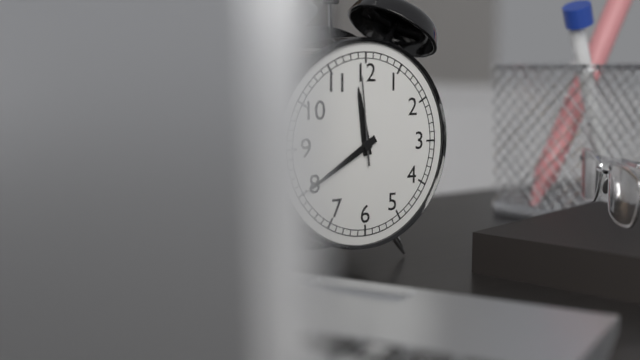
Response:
11.40.59
